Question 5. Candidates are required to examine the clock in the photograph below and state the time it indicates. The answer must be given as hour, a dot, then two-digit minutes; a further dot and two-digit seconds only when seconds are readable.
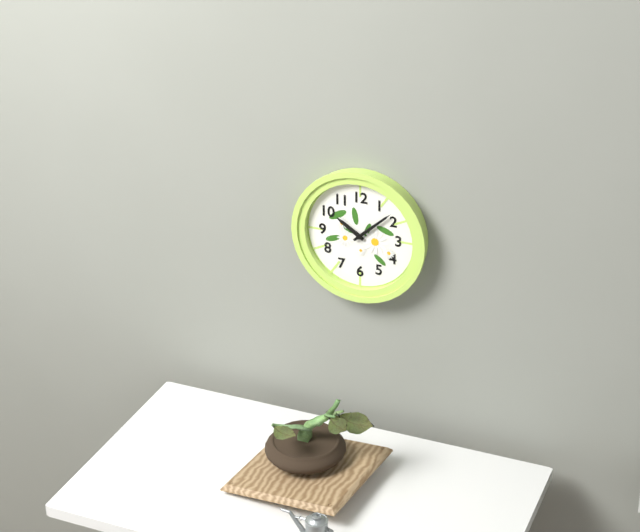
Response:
10.08
